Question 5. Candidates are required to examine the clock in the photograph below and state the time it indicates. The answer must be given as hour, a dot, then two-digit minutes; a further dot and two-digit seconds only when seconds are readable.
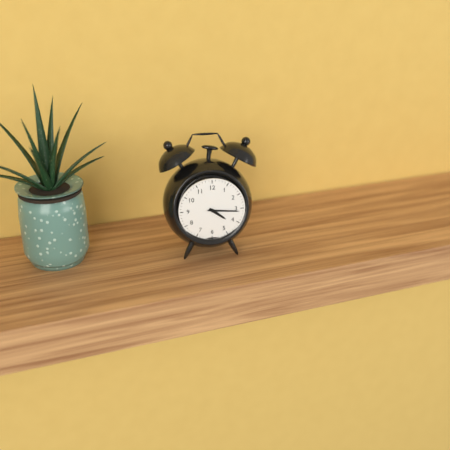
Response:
4.16
